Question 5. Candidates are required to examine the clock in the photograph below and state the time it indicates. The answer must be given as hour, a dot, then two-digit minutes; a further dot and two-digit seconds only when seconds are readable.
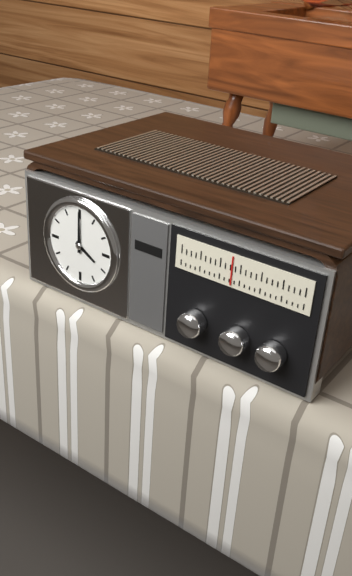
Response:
4.00
